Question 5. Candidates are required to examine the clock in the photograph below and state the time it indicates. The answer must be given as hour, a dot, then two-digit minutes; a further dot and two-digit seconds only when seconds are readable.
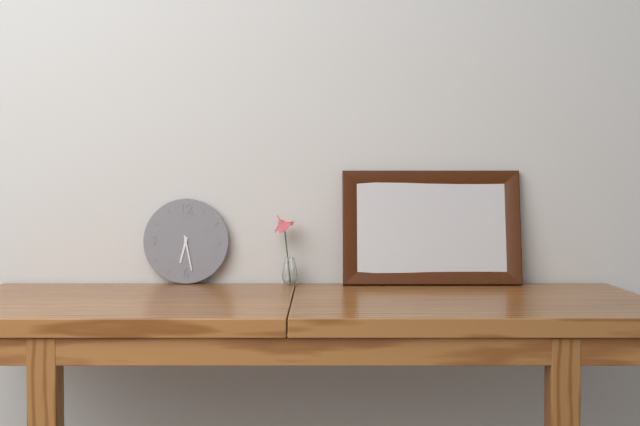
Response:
6.28
